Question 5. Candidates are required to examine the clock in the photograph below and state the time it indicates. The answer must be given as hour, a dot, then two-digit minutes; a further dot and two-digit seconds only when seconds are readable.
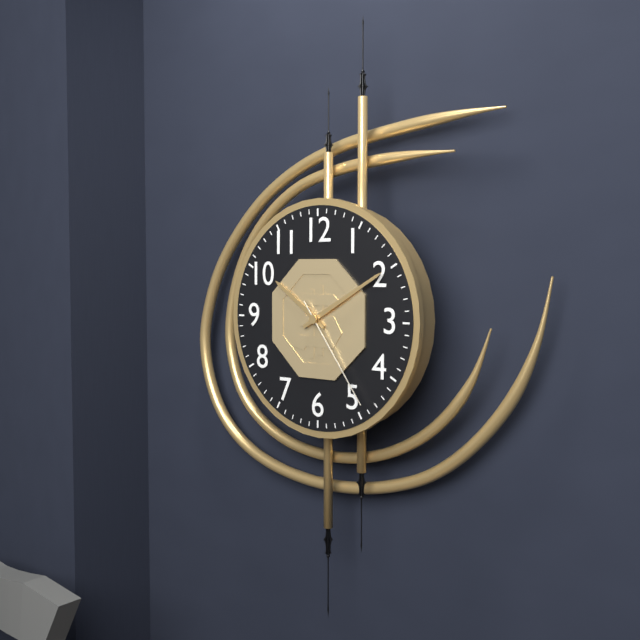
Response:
10.10.24
